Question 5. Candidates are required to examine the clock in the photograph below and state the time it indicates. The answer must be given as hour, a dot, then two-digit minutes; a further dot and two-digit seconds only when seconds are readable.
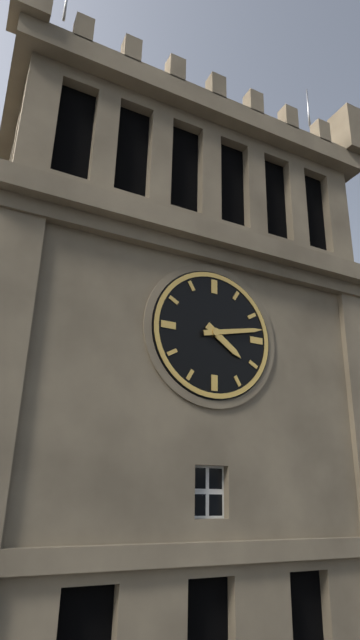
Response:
4.13
